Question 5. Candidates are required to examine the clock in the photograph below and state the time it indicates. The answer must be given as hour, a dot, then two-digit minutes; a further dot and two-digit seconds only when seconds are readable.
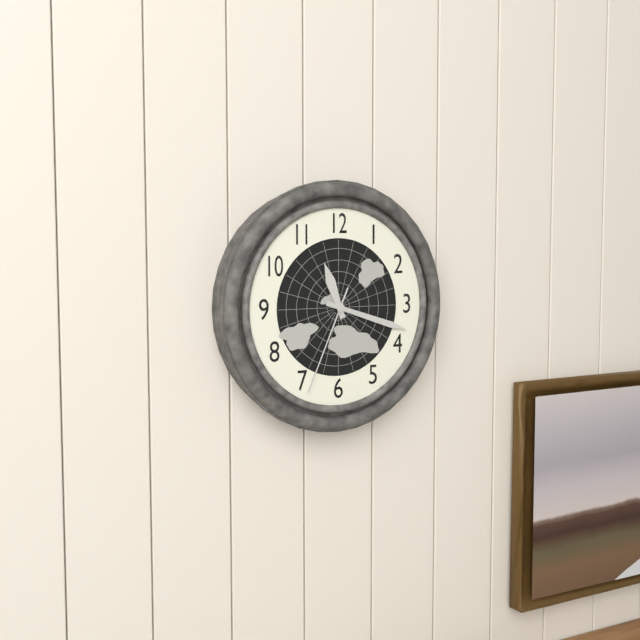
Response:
11.18.34
